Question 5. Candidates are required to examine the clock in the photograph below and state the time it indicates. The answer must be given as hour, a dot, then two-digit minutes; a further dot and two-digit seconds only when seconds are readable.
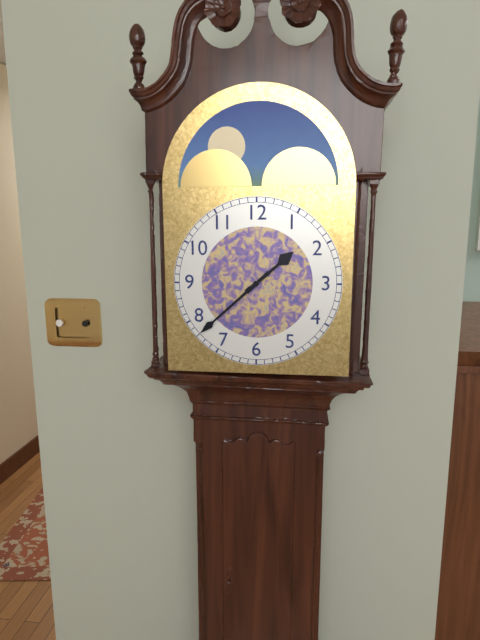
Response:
1.38
